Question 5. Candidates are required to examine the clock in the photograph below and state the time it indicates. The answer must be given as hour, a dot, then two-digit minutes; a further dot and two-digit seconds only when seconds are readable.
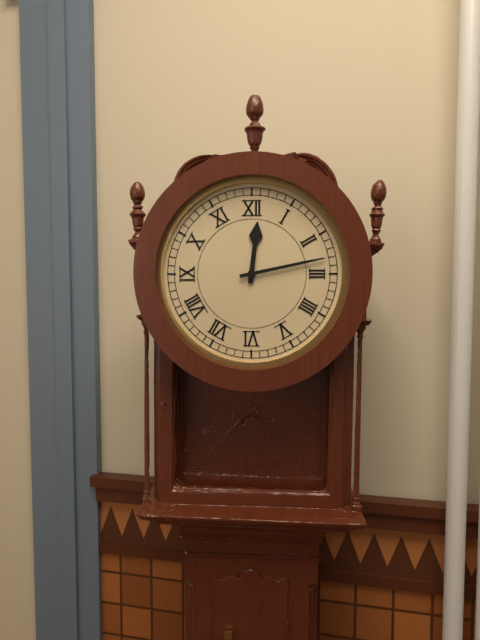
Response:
12.13
